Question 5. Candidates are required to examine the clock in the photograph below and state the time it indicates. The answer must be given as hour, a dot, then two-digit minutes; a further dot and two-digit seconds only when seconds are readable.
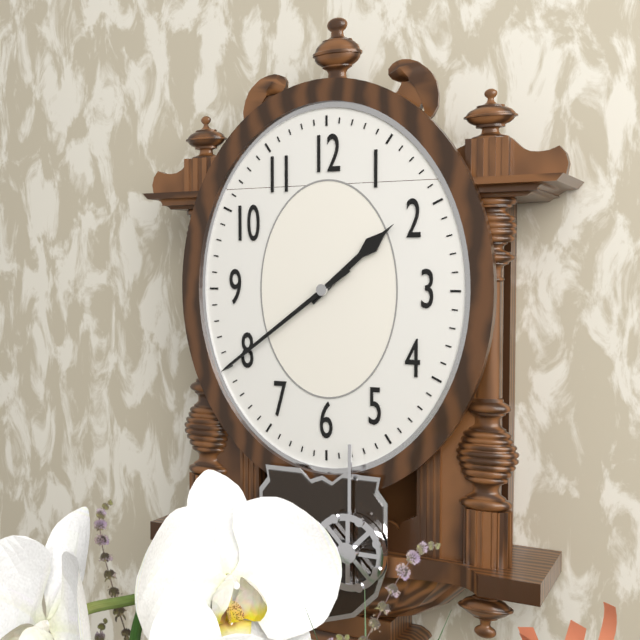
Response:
1.39
